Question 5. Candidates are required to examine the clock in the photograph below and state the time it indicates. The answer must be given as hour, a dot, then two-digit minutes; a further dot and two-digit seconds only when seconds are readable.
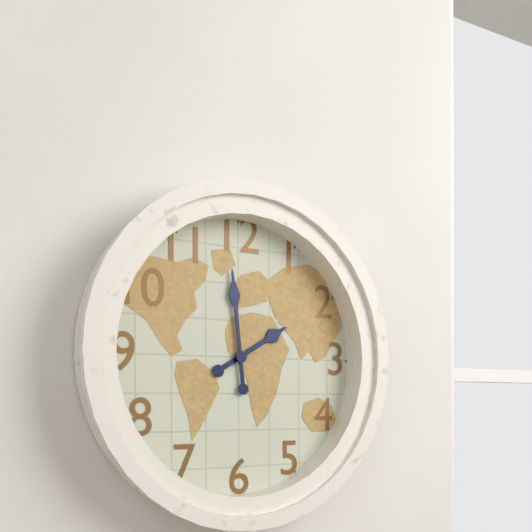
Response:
1.59
